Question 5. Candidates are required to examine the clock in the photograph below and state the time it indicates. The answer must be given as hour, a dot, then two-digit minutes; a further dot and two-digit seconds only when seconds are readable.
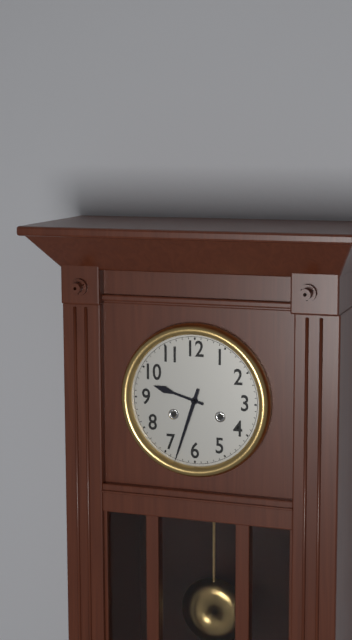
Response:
9.33
